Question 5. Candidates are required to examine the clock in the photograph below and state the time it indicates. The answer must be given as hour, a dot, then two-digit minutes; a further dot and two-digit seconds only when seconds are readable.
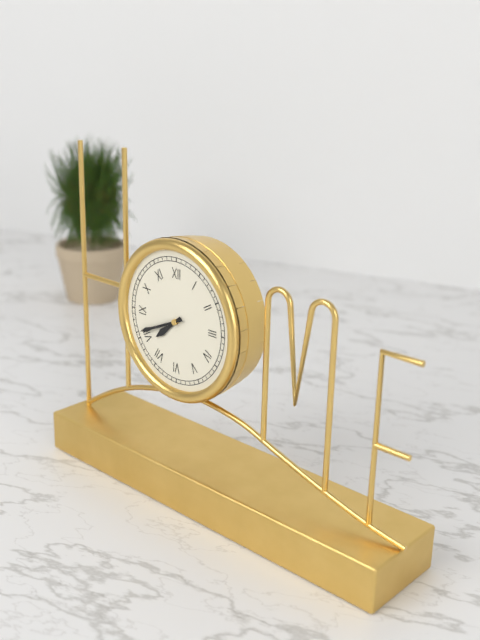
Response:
7.41
